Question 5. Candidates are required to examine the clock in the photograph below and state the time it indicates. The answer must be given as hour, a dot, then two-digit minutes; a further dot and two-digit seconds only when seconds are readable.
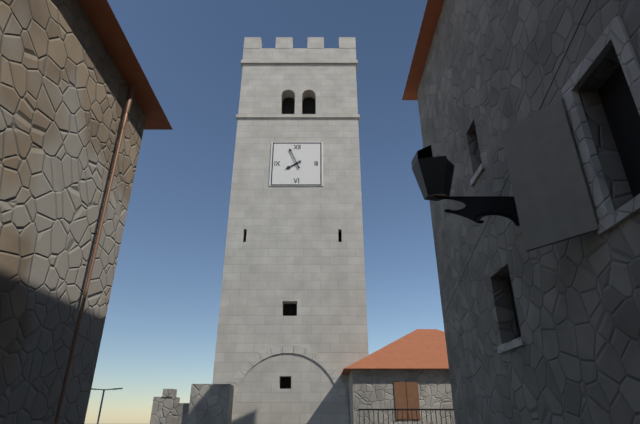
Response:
7.56
